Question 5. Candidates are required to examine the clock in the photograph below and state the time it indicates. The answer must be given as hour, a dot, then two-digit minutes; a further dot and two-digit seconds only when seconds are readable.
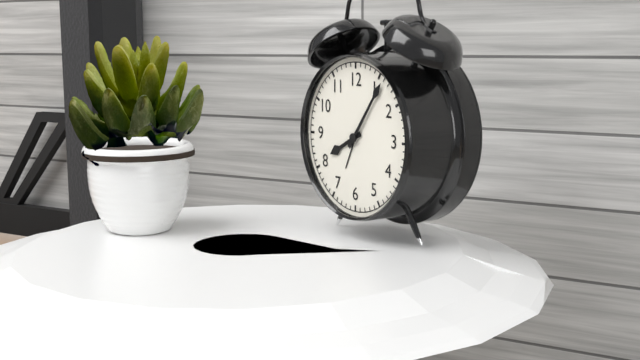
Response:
8.06
